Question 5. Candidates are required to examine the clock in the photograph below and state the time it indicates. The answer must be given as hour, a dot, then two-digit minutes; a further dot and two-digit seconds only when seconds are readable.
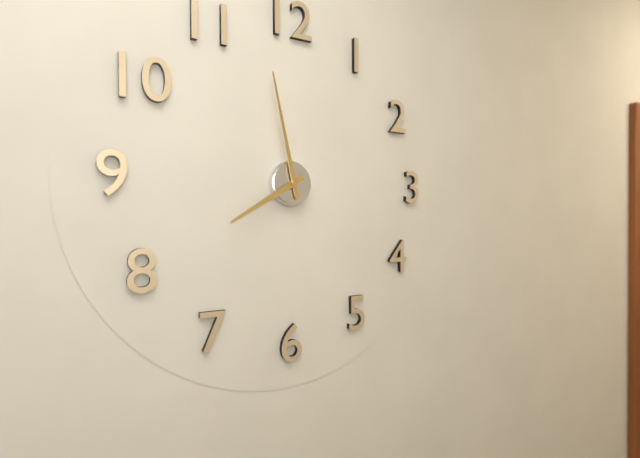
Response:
7.58
